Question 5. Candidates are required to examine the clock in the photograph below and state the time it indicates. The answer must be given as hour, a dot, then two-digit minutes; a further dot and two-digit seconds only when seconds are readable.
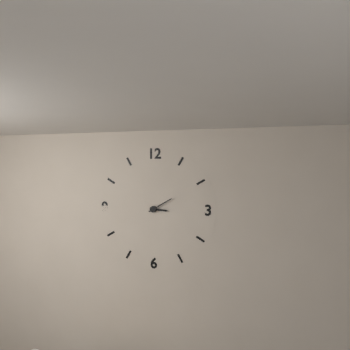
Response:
3.10
